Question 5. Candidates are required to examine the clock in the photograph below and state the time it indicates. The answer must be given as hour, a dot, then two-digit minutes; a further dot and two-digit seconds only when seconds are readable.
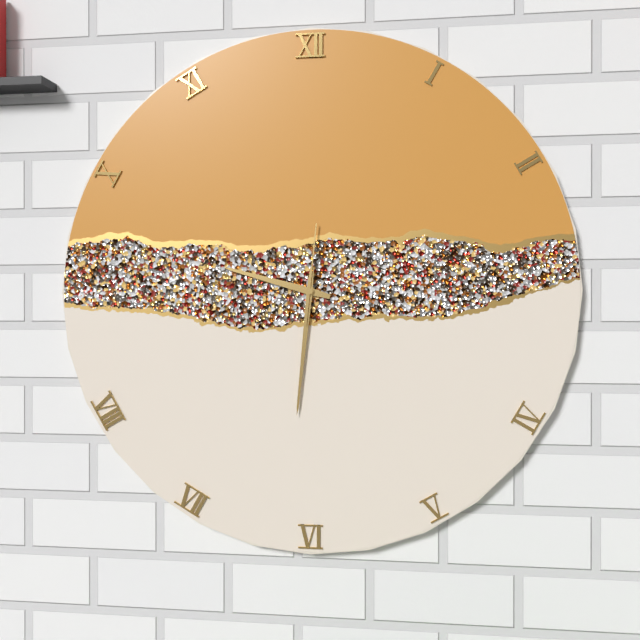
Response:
9.31.01
